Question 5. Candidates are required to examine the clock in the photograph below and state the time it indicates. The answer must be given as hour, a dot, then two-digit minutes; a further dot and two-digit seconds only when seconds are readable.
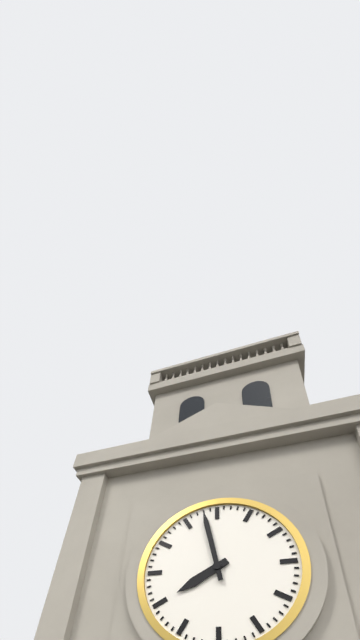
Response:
7.58
